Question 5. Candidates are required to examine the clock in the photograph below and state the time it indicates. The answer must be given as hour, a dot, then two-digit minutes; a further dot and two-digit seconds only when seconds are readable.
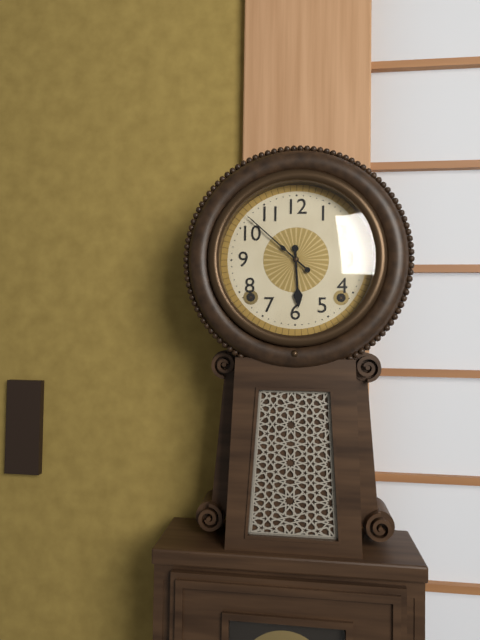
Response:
5.52
